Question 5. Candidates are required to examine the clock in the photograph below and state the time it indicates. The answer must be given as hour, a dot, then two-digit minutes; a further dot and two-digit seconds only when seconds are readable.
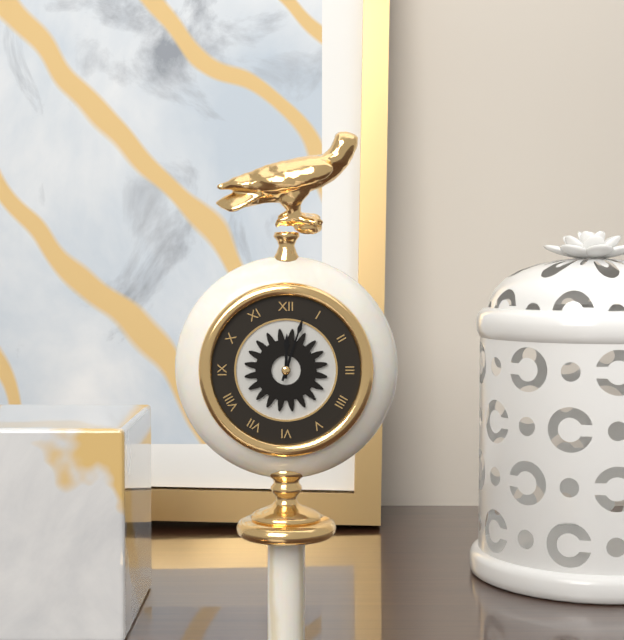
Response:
12.03
